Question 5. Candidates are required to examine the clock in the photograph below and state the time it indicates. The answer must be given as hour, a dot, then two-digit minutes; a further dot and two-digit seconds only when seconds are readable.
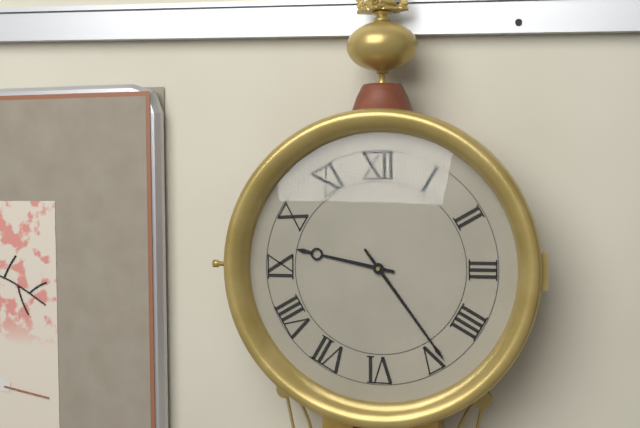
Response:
9.24
